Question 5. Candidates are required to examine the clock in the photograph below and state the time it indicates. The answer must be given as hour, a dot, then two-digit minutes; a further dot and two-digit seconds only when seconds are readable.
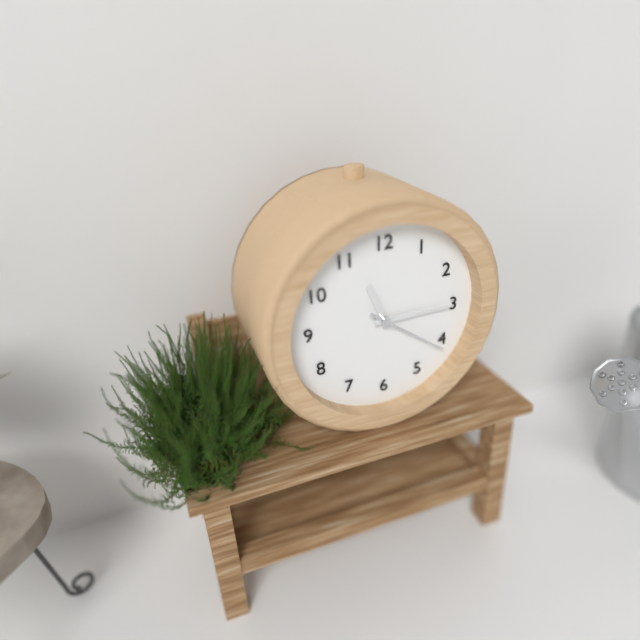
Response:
11.15.21
